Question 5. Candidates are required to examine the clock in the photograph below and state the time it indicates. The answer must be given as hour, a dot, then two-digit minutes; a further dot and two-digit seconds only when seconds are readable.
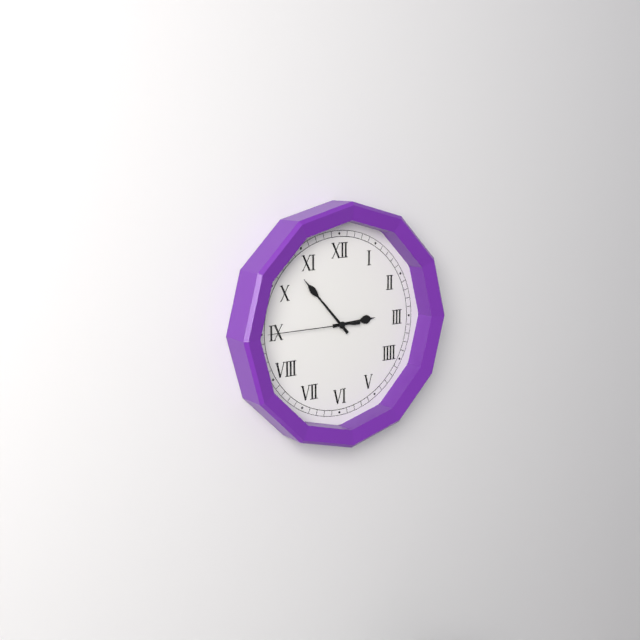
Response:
2.53.45
